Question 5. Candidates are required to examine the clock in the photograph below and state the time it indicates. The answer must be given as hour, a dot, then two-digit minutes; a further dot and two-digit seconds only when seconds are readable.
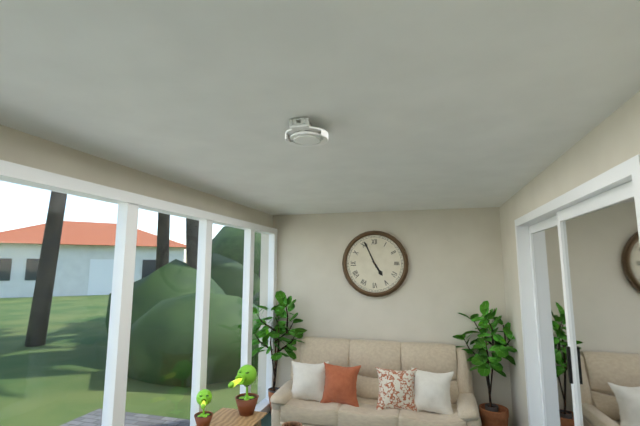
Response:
4.56
